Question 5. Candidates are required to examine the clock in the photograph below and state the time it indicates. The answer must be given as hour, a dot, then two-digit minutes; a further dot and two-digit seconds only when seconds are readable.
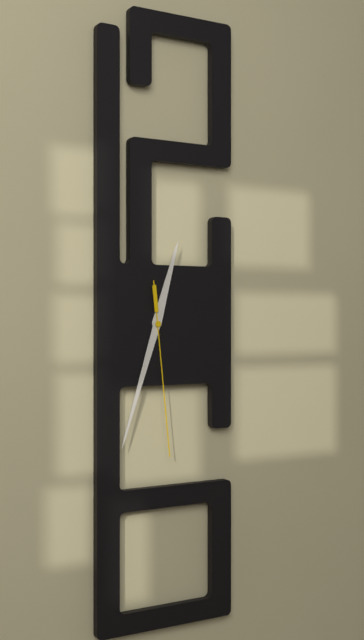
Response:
12.33.29
